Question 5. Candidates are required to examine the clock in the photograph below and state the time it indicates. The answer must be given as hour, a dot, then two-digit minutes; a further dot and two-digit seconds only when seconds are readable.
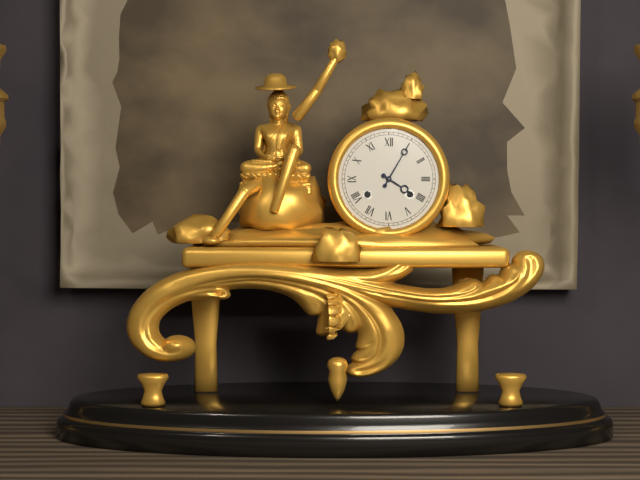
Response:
4.05
